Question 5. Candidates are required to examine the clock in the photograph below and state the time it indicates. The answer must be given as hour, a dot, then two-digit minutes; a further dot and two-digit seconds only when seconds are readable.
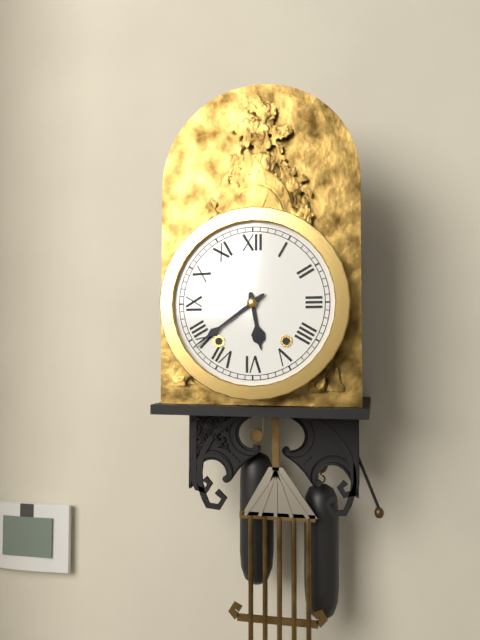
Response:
5.39
